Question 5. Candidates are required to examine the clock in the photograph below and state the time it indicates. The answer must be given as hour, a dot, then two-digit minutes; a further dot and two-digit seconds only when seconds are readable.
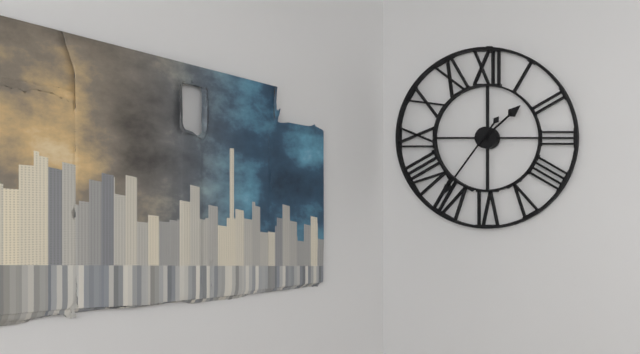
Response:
1.36
